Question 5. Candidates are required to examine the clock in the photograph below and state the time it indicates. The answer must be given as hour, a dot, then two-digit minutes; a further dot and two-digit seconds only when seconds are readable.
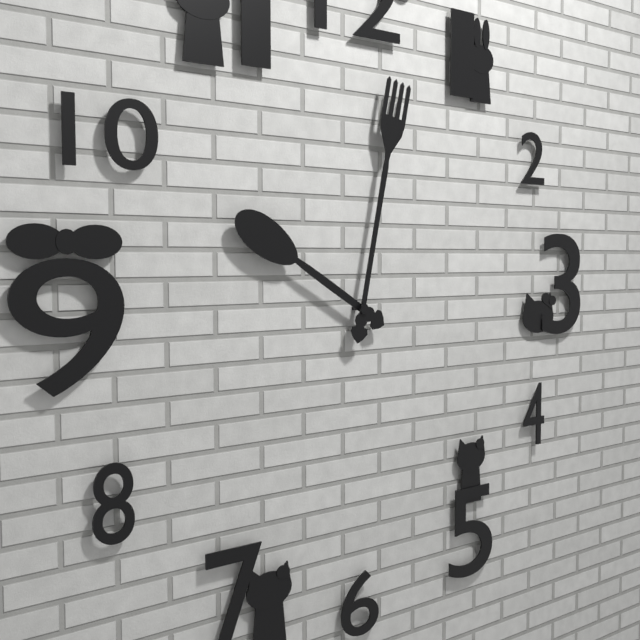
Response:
10.02
